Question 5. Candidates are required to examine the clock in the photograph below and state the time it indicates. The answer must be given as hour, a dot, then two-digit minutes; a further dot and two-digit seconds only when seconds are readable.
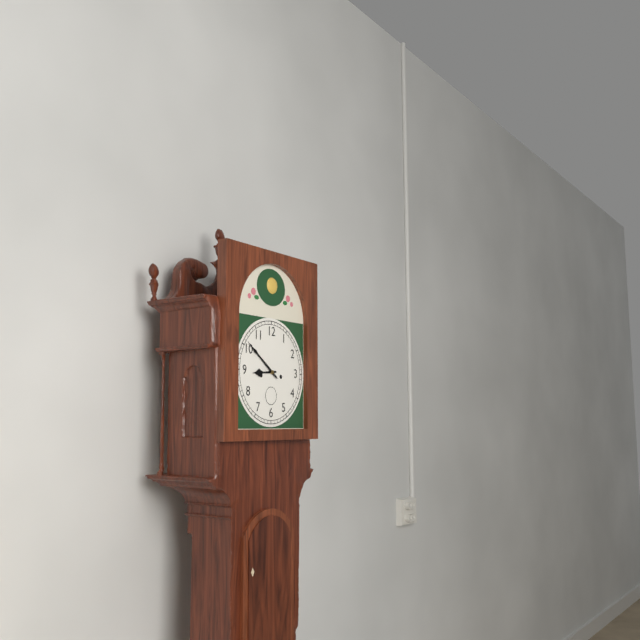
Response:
8.51
